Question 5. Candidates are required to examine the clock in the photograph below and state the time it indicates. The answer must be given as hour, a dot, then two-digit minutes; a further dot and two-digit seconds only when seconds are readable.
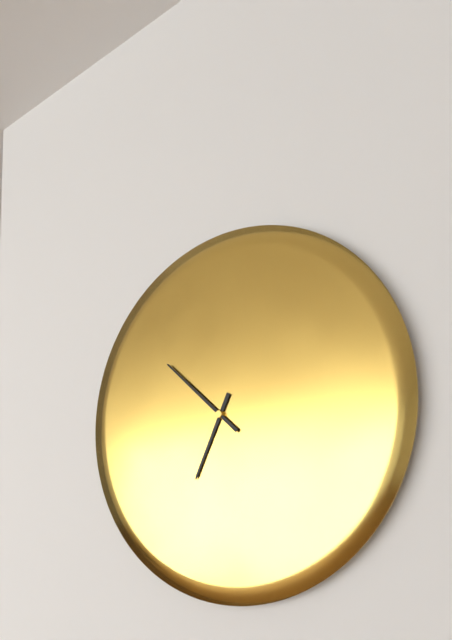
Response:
6.52
